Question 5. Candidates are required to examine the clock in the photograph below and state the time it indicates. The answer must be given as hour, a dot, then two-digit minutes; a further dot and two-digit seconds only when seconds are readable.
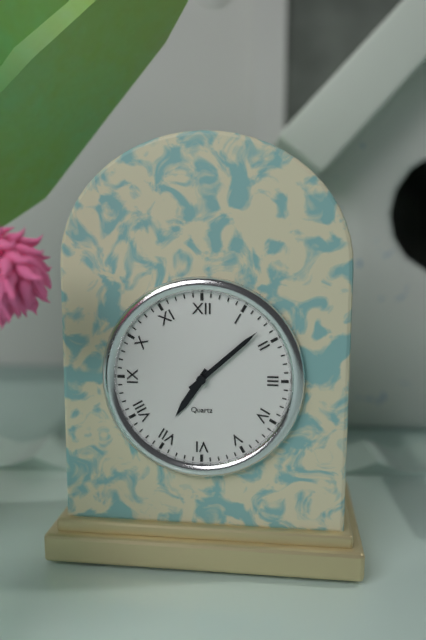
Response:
7.08
